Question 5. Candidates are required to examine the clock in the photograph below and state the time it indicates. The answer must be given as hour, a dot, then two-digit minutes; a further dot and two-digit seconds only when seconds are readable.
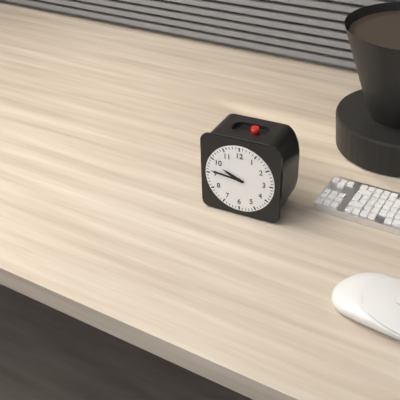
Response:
9.46
